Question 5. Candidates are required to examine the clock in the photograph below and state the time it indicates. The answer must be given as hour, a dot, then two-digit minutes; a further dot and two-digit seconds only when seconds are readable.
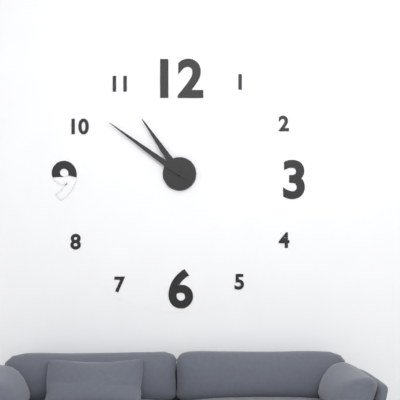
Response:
10.51
